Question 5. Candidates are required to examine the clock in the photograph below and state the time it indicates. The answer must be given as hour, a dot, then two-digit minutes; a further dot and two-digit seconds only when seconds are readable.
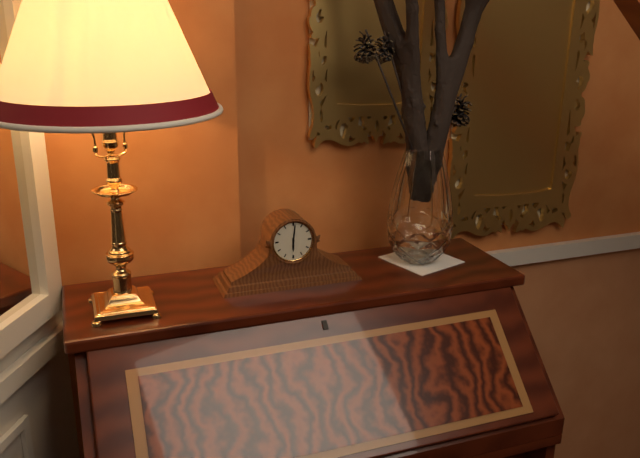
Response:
6.01
